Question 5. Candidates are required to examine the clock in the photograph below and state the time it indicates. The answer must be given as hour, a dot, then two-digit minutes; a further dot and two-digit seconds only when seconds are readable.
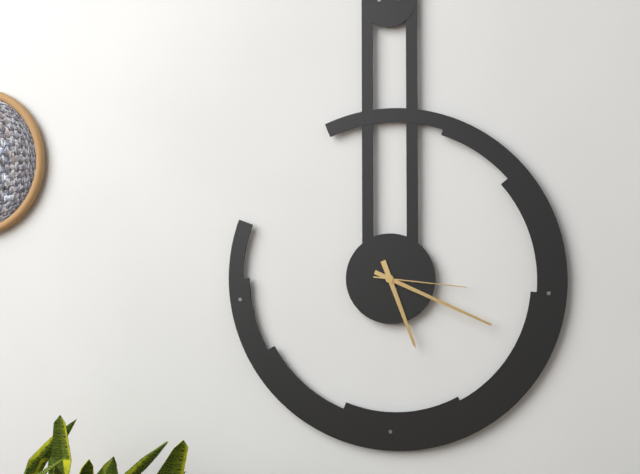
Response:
5.19.16
